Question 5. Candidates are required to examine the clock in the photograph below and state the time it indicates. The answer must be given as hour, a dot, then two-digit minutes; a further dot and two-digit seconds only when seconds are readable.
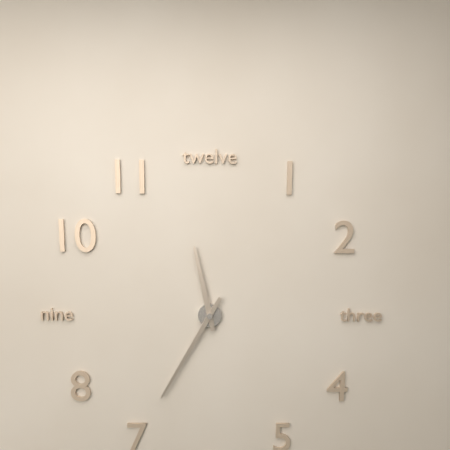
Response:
11.35
